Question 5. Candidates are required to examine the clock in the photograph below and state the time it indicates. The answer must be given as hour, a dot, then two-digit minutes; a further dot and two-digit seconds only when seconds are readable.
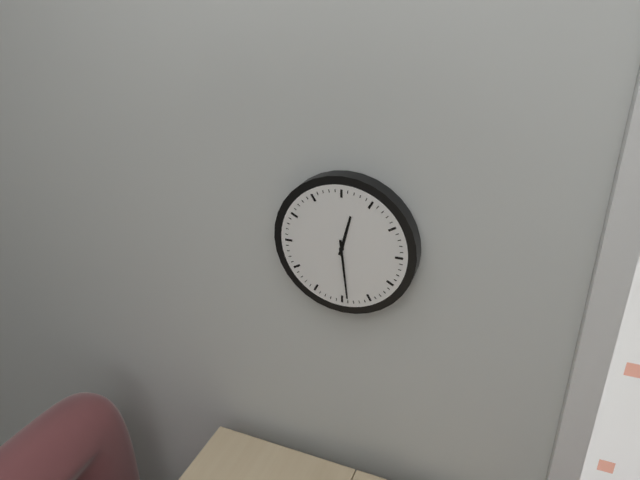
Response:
12.29
